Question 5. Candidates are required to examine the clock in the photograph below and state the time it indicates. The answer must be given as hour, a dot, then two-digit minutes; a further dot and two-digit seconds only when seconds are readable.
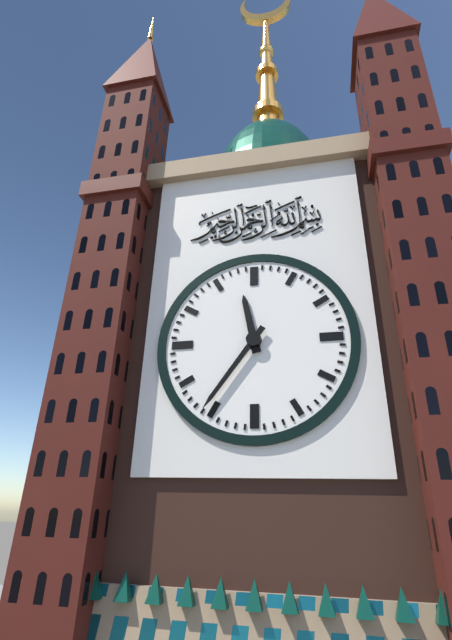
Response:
11.36
